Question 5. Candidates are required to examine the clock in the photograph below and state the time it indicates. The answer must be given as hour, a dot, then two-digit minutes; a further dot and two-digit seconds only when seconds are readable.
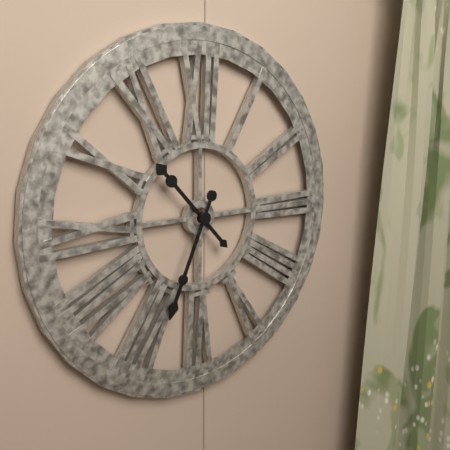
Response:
10.34
